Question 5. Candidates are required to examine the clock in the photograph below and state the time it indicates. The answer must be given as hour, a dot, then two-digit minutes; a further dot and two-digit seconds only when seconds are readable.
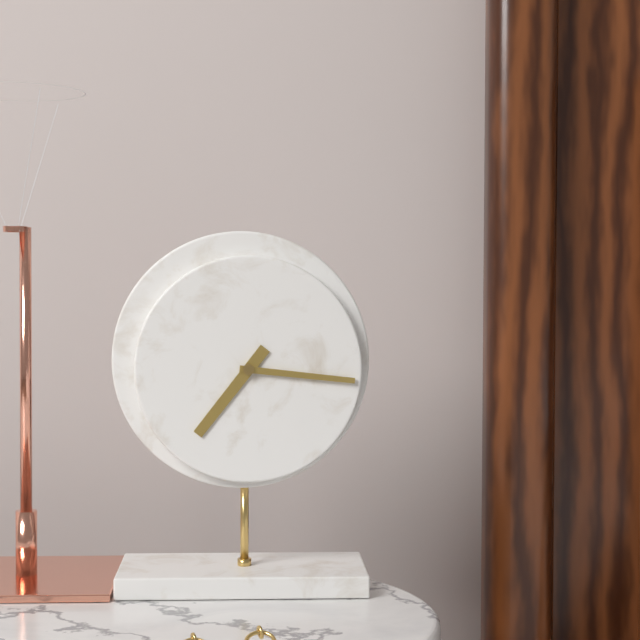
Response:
7.16
